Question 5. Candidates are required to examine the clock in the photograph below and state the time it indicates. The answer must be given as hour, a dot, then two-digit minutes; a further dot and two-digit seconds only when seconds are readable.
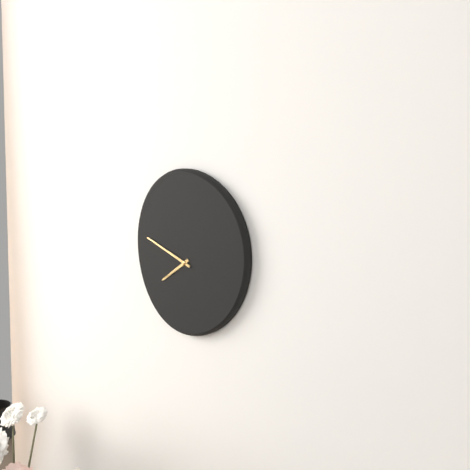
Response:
7.49
